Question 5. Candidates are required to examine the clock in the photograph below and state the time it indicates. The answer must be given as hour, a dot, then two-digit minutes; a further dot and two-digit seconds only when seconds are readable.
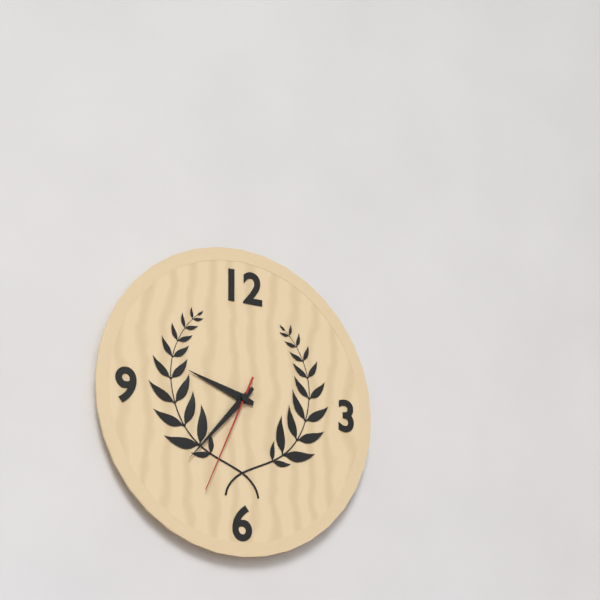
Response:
9.37.34
